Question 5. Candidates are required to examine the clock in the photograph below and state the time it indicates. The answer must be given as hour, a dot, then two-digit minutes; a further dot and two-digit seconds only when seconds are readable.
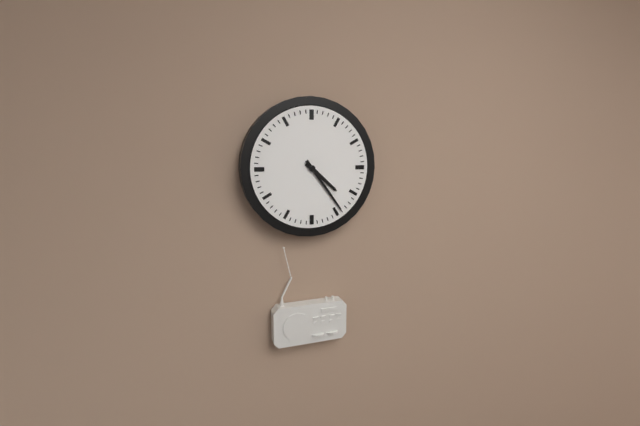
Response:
4.24
